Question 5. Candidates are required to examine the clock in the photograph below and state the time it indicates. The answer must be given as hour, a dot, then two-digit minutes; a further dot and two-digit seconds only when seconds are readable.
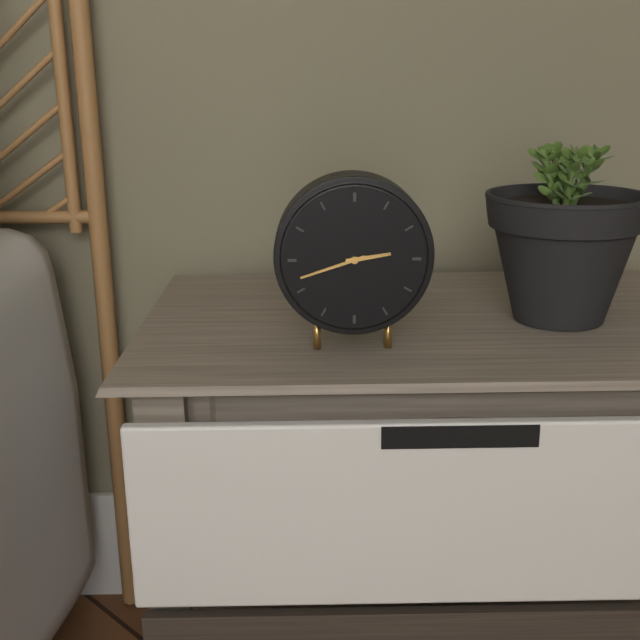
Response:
2.42
